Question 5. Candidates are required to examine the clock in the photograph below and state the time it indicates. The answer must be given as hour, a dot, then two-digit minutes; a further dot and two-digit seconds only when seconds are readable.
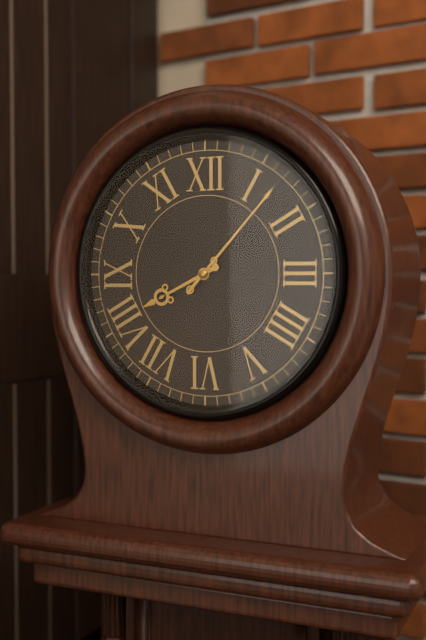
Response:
8.07
